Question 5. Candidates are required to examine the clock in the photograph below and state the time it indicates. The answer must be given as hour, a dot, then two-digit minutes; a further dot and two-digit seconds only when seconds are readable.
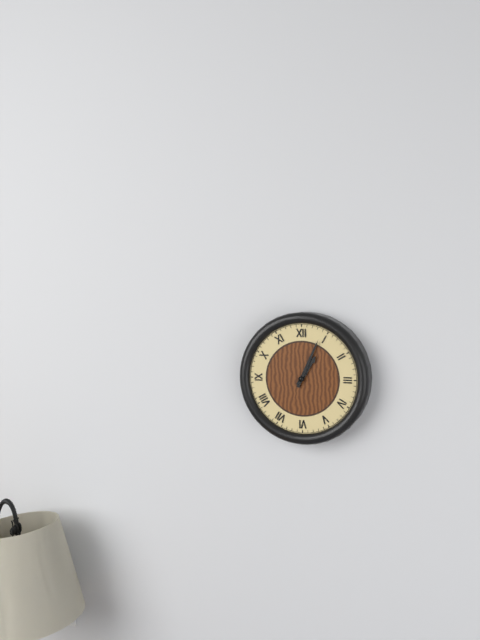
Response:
1.04
